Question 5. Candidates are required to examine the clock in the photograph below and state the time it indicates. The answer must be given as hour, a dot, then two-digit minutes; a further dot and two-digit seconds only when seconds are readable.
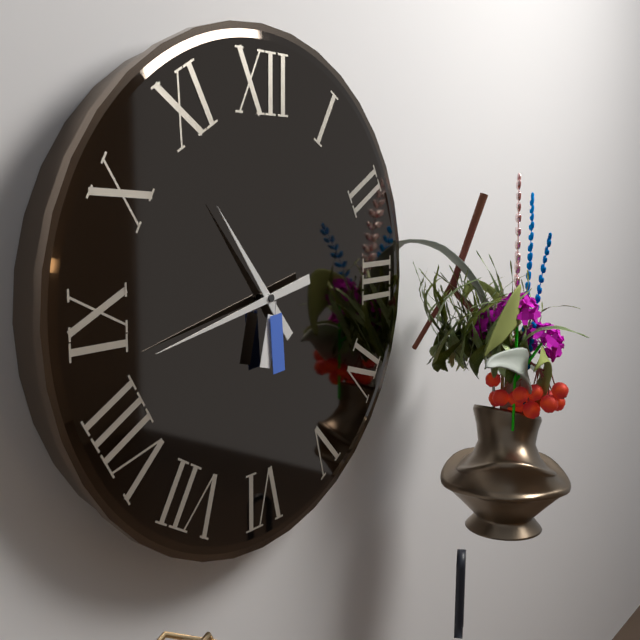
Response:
10.43
